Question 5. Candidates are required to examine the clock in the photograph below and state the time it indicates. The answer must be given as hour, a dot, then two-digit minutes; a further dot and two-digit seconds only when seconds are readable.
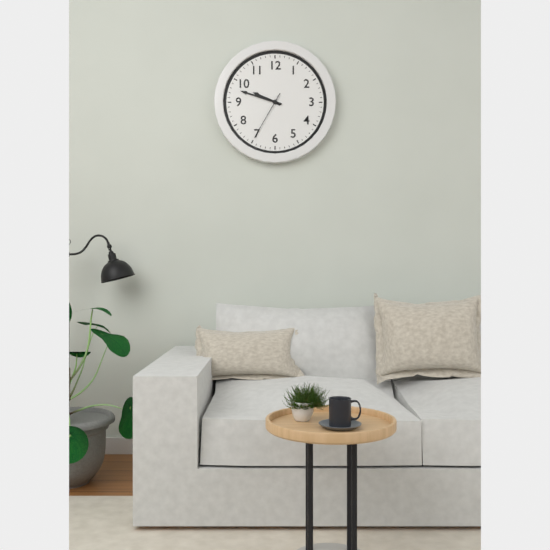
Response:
9.48.35
